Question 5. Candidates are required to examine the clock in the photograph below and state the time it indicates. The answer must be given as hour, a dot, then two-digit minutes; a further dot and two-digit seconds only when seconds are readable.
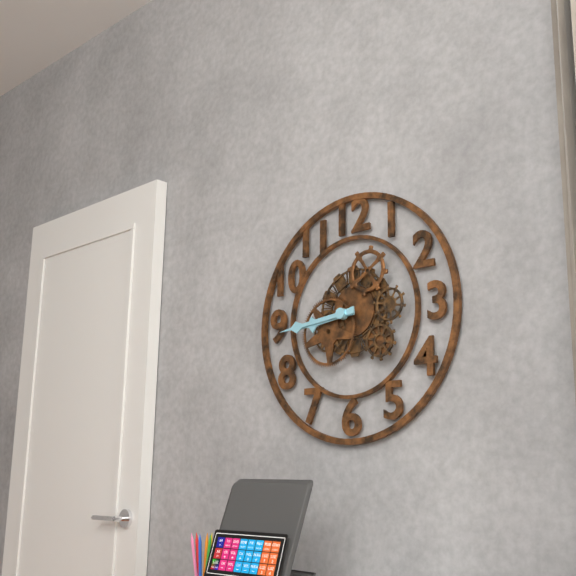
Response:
8.44
